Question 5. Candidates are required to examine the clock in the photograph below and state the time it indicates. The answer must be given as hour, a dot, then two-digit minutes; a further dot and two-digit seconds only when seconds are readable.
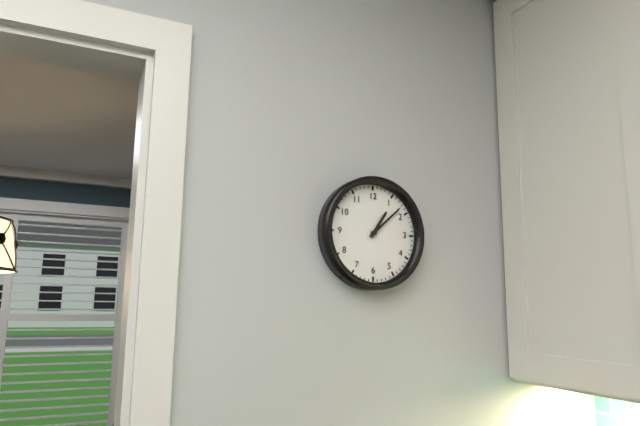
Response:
1.08
